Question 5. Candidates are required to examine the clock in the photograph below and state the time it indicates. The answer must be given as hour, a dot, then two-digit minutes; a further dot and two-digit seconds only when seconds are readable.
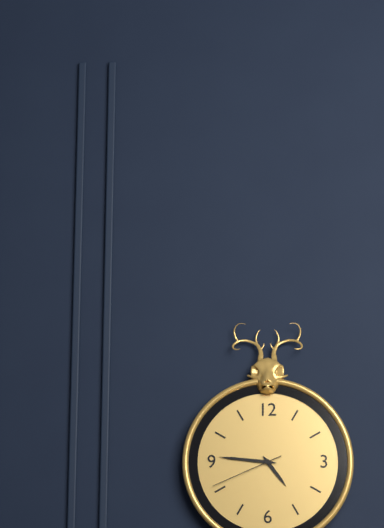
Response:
4.46.41
